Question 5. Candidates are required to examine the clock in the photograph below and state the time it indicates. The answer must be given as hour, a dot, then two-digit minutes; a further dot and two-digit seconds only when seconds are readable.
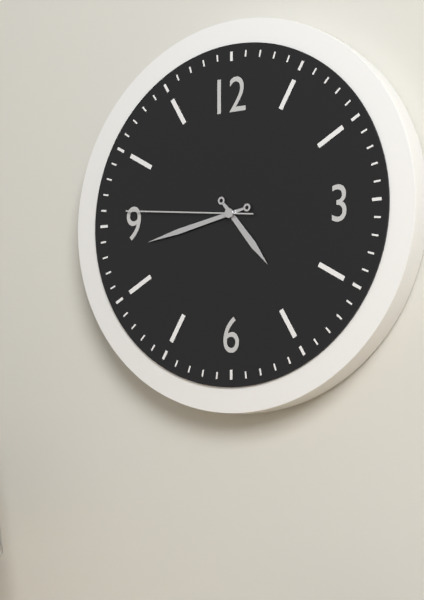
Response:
4.43.46
